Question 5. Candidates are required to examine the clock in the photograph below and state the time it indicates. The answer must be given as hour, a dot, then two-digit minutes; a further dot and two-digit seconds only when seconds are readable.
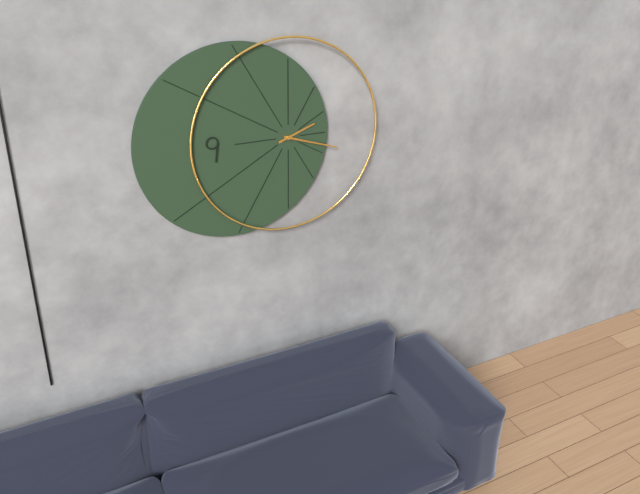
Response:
2.18
